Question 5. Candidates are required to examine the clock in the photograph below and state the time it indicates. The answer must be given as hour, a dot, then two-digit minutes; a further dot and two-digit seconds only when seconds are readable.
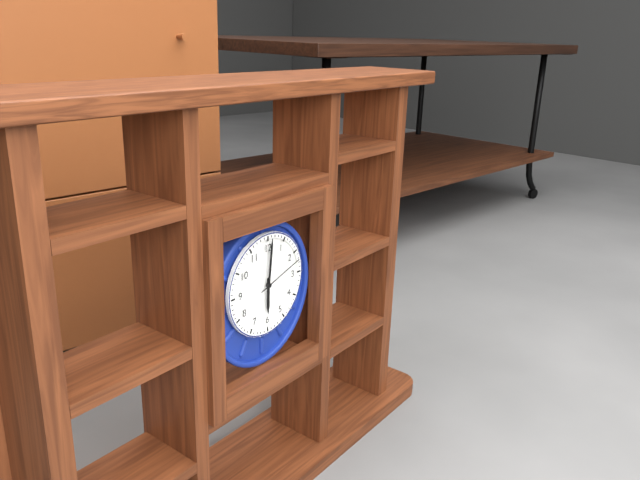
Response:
6.01
